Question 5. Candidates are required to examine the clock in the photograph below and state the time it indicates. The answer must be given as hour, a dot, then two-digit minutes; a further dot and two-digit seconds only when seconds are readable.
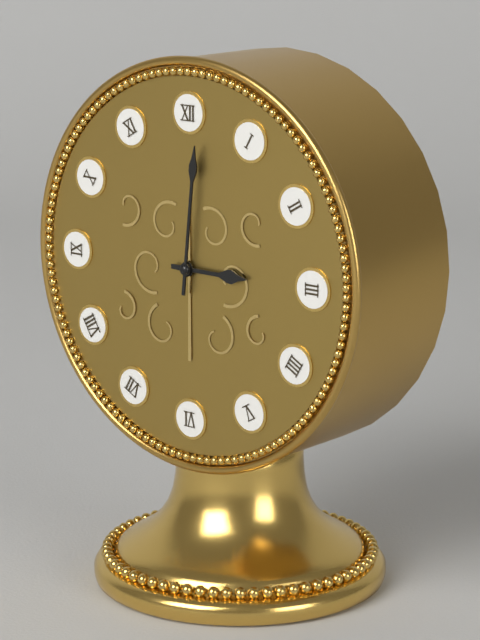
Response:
3.01
